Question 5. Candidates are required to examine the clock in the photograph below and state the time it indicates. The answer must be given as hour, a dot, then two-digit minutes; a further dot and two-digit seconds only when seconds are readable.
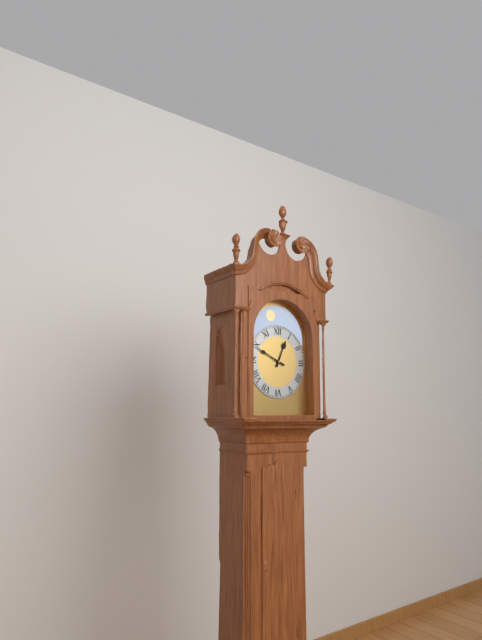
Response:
12.49
